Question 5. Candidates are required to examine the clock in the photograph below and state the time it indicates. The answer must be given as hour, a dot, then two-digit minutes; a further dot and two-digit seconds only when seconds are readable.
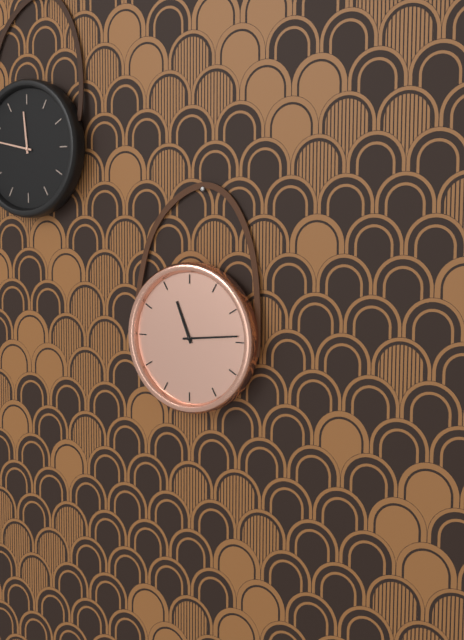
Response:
11.14
